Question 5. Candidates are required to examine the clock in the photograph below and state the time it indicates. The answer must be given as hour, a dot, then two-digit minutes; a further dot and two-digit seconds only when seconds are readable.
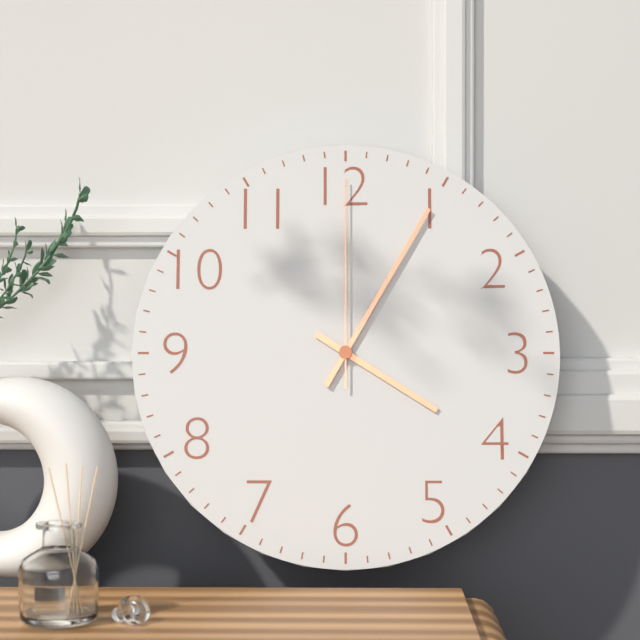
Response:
4.05.00
